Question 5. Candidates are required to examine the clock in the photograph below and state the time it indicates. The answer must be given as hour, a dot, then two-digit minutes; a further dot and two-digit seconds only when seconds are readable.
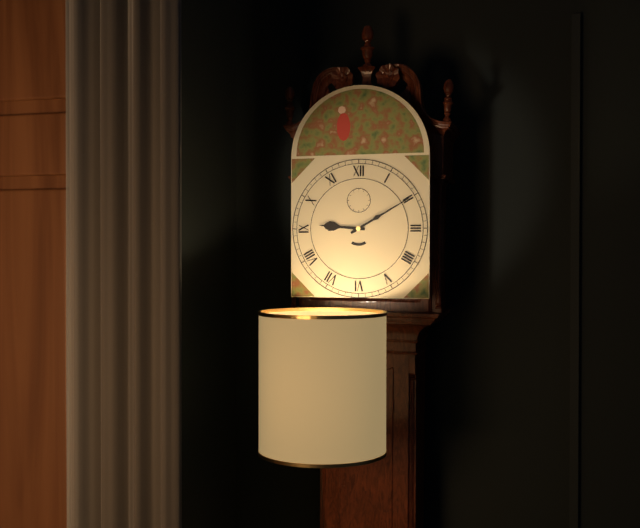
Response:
9.10
